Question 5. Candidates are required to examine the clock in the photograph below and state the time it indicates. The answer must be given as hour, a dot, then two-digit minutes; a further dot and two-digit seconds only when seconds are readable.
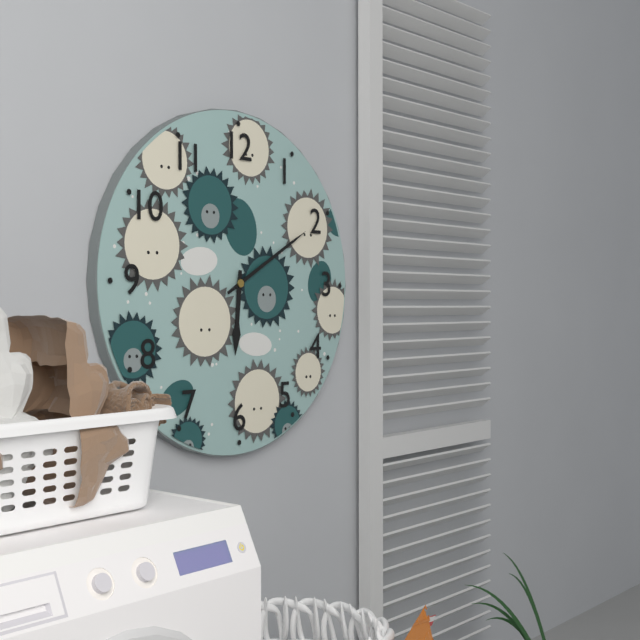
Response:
6.10
